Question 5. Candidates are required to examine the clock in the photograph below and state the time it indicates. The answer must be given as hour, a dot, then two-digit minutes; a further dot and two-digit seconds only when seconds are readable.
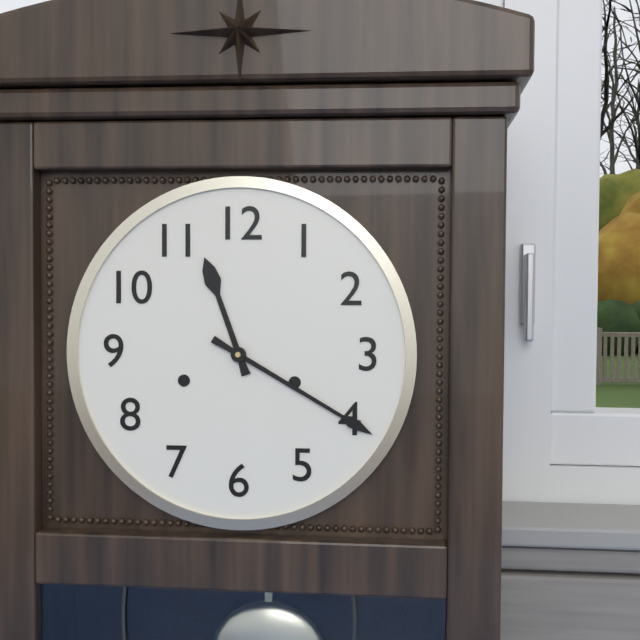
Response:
11.20
